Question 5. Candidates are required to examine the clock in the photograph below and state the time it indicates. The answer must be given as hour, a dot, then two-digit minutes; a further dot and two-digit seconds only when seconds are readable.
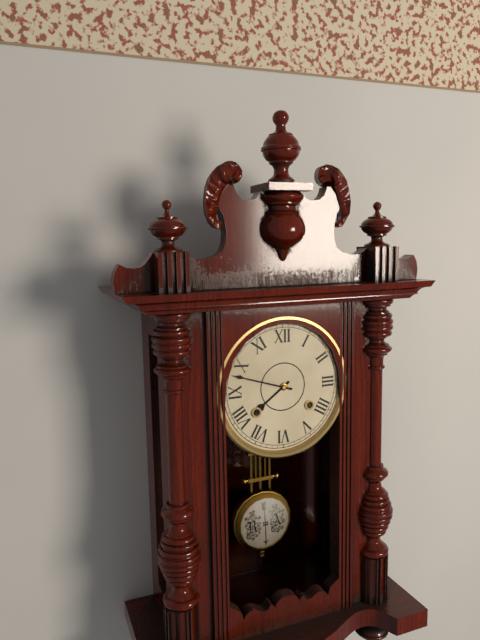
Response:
7.48
